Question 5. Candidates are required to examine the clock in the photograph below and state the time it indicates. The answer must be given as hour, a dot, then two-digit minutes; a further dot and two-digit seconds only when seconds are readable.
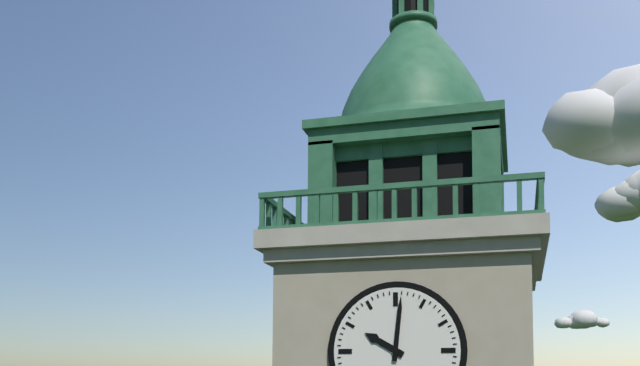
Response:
10.01
